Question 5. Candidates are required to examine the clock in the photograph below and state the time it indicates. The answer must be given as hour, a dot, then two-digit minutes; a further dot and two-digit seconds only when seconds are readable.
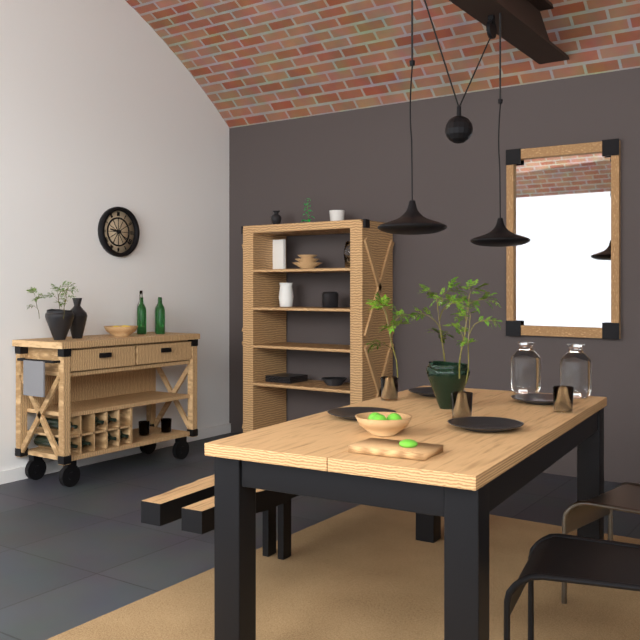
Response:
9.22
